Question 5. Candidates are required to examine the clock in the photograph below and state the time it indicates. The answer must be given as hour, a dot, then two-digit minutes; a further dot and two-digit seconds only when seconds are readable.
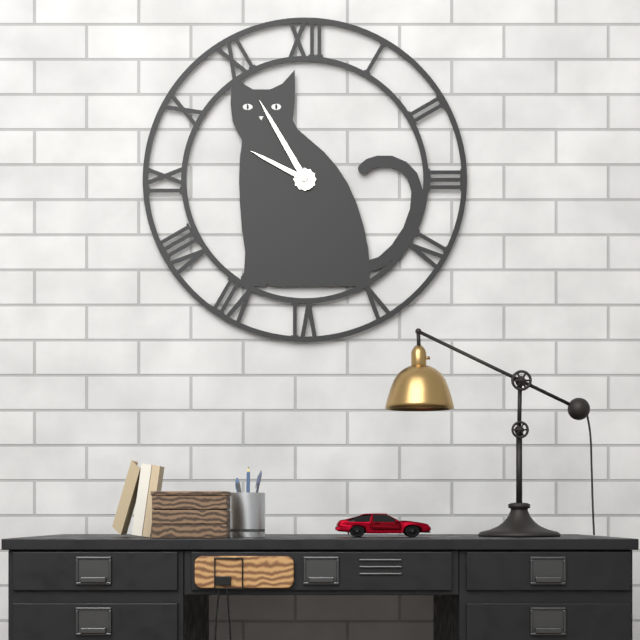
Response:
9.55
